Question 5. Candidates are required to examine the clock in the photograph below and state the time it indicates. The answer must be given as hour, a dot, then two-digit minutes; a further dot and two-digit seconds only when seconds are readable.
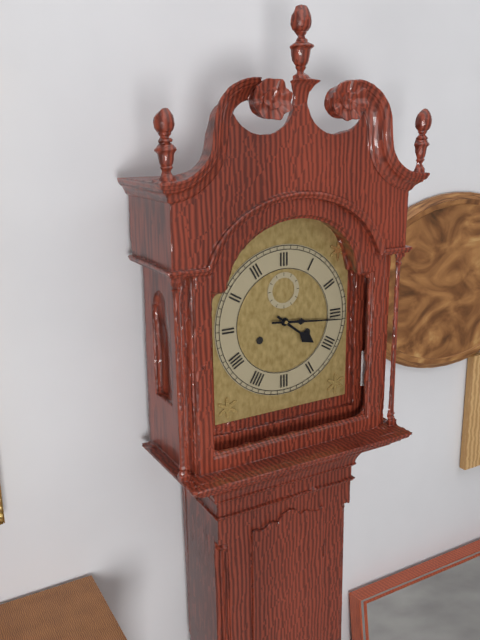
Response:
4.16
